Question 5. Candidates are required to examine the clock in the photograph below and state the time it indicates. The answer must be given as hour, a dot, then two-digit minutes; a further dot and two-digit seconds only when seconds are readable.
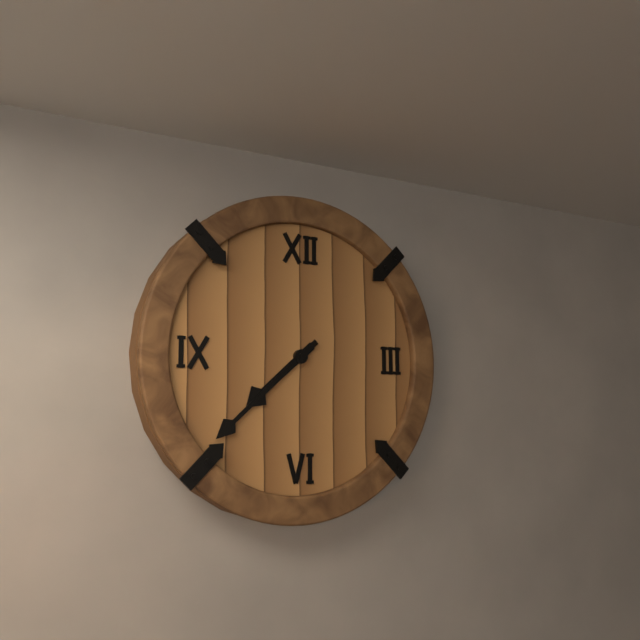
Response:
7.38
